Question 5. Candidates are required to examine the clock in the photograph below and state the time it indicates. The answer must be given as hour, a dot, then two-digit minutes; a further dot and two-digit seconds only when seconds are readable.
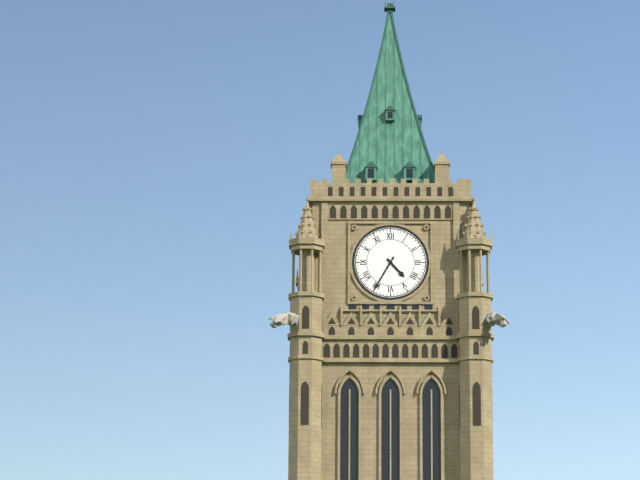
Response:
4.35
